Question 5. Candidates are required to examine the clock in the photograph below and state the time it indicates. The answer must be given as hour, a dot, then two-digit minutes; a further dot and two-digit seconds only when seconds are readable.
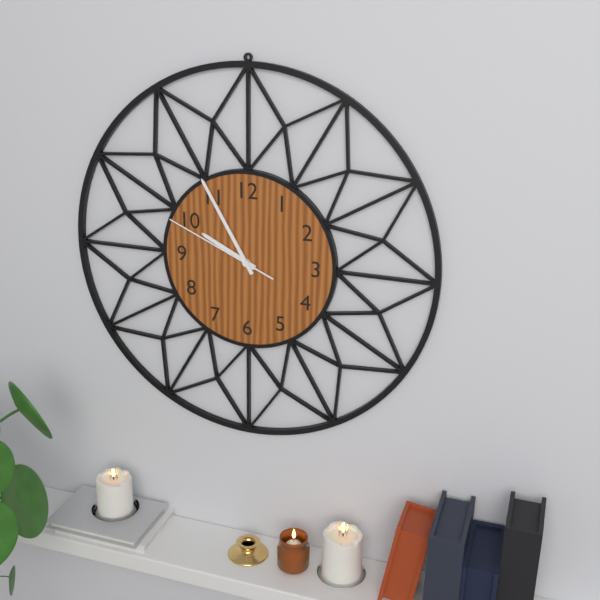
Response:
9.55.49
